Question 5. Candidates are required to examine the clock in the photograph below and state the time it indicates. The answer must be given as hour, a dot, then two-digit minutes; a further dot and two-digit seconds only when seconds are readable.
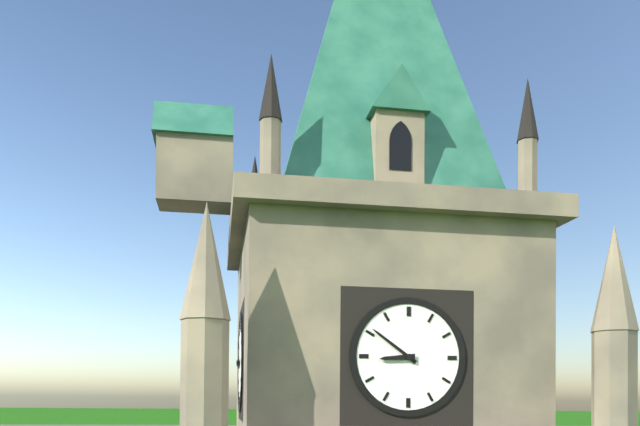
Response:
8.51
